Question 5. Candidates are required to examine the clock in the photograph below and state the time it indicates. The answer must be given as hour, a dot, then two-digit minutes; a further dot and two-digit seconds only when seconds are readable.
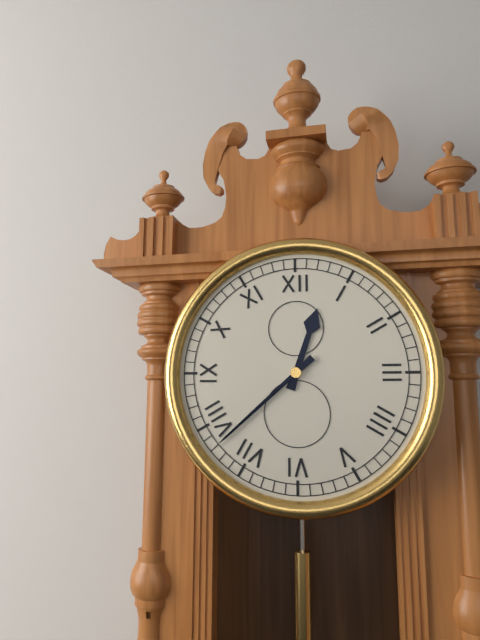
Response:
12.38
